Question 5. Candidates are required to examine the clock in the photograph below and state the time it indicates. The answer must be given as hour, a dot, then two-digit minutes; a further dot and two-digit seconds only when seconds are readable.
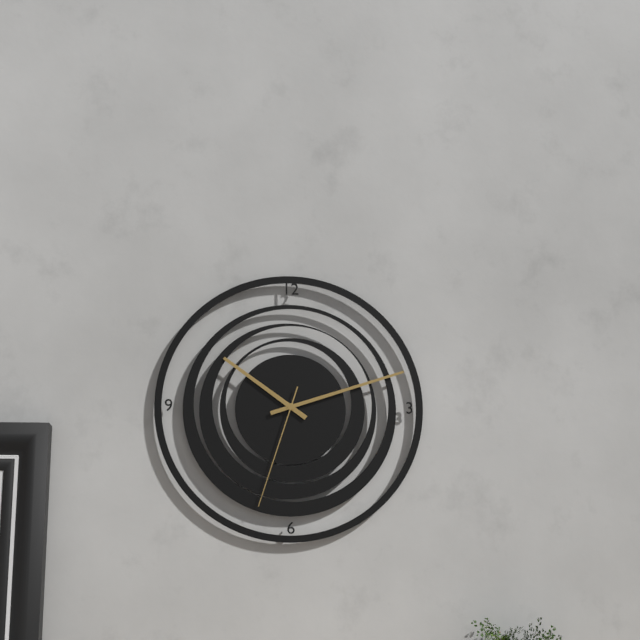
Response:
10.12.33
